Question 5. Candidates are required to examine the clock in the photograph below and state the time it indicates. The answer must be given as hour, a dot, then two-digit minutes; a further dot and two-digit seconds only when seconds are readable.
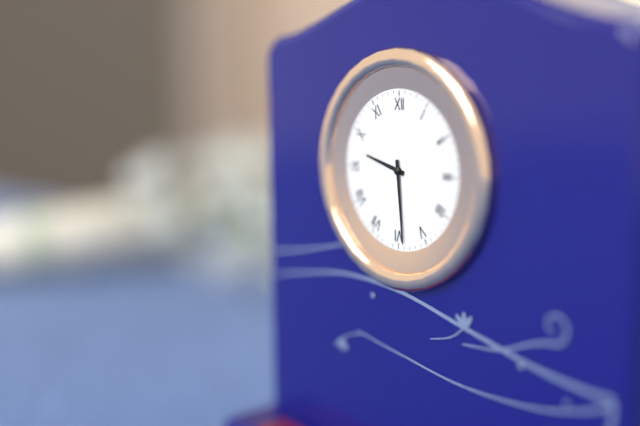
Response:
9.29
